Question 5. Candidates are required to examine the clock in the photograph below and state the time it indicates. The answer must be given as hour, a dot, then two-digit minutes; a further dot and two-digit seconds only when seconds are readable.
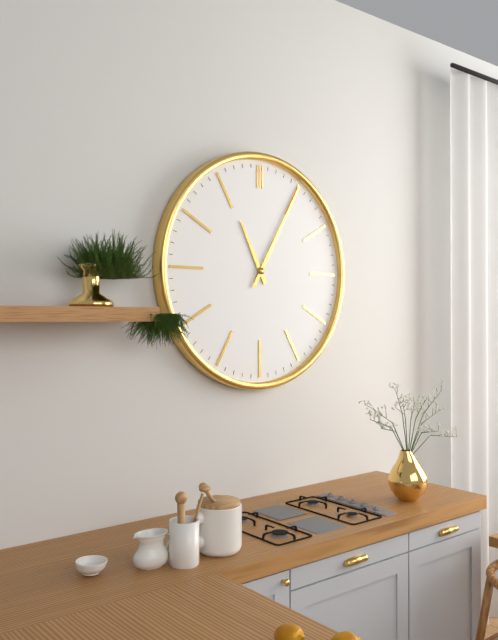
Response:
11.05
